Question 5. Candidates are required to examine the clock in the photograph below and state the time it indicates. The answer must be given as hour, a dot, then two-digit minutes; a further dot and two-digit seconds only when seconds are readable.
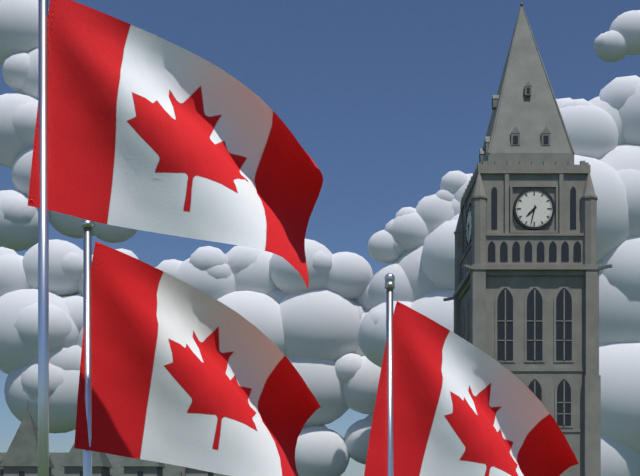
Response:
7.32
